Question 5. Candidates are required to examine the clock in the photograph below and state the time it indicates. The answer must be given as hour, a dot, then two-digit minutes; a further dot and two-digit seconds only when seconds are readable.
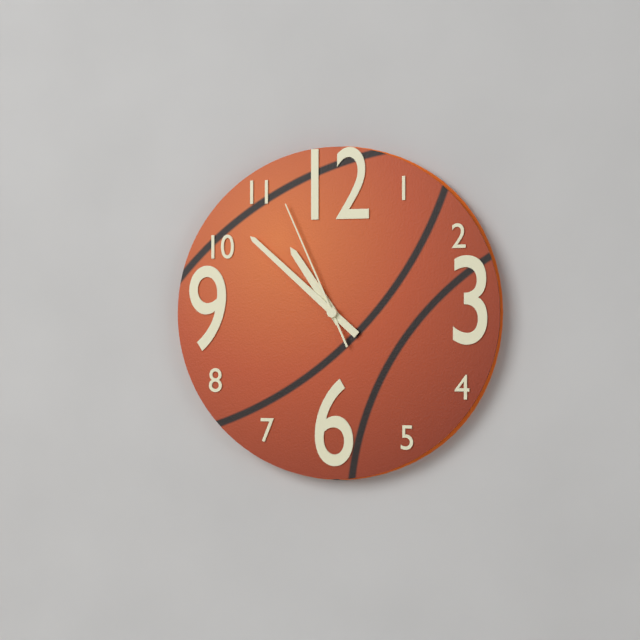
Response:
10.52.56
